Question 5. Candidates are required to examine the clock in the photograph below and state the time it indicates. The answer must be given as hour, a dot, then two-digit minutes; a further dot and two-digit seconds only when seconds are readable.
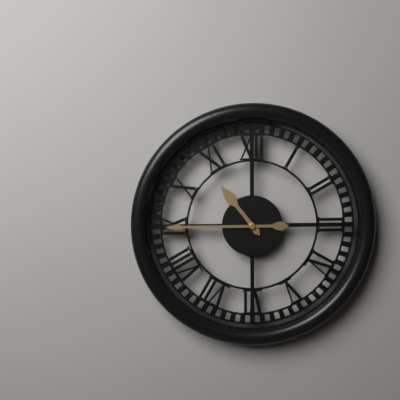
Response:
10.45
